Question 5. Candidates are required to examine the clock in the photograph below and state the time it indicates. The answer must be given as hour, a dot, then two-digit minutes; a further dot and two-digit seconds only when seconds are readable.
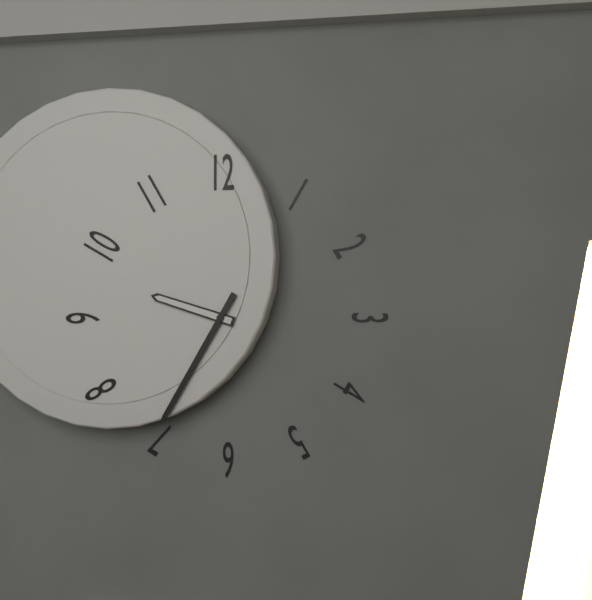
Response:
9.35
